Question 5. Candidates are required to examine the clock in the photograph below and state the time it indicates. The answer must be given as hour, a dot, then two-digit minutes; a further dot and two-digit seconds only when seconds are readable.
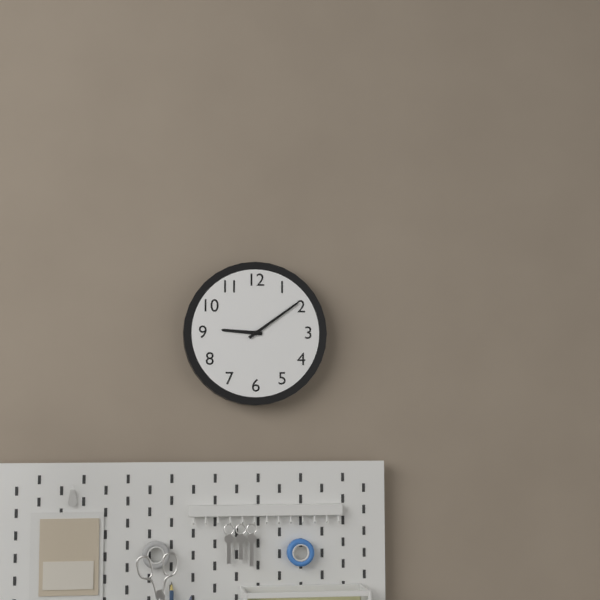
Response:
9.09
